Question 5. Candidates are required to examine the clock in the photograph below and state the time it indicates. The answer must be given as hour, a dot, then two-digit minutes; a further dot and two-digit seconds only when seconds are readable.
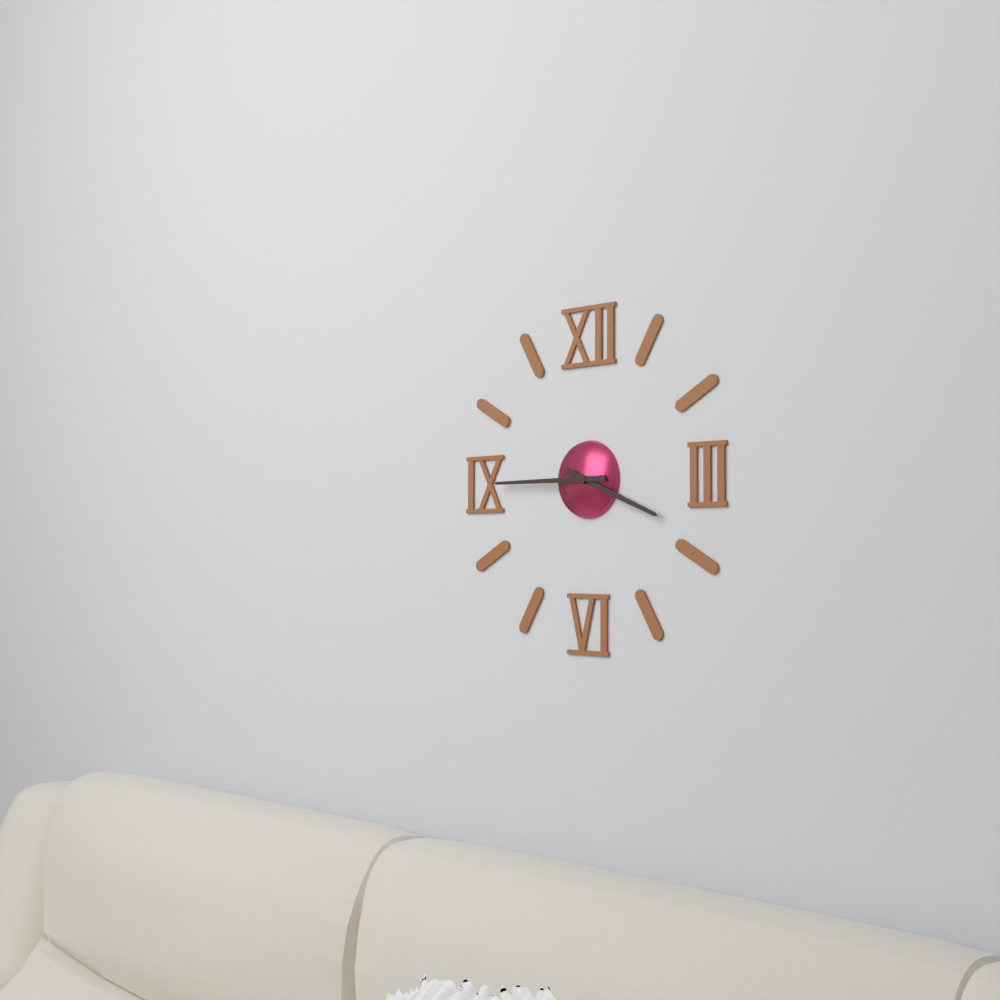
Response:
3.45
